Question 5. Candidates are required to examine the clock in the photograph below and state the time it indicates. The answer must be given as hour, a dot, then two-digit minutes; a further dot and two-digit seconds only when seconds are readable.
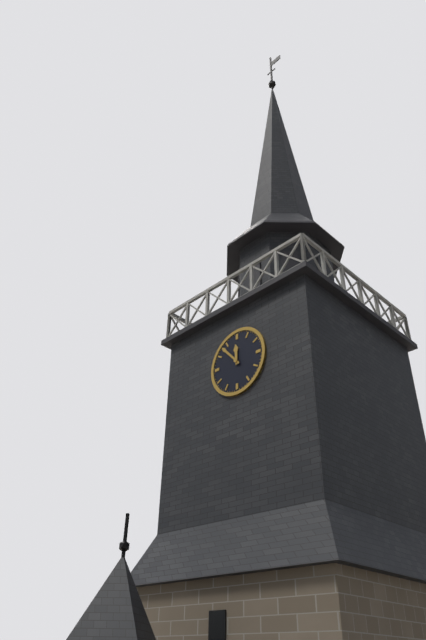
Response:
11.53
